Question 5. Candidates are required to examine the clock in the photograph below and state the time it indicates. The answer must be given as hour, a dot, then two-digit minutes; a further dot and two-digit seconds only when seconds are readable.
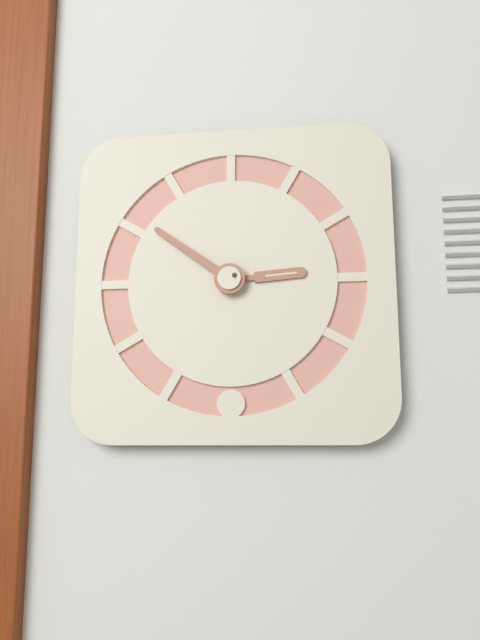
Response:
2.51
